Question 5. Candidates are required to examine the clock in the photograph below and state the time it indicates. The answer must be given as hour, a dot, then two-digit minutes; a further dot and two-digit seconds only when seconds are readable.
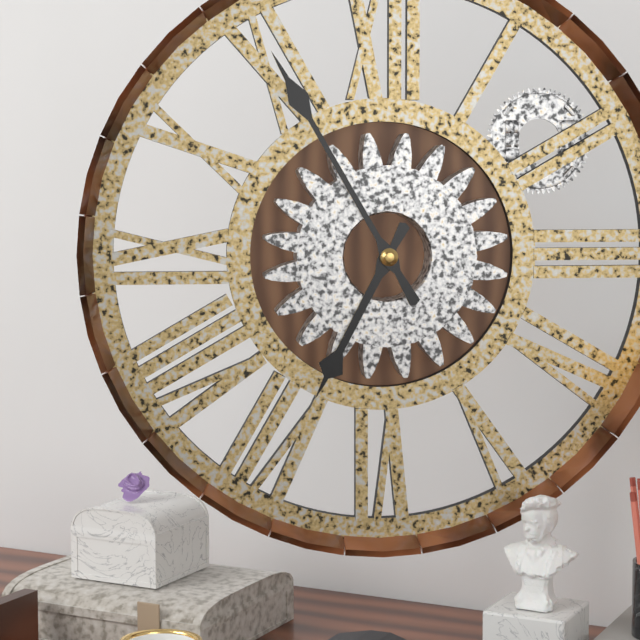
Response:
6.55
